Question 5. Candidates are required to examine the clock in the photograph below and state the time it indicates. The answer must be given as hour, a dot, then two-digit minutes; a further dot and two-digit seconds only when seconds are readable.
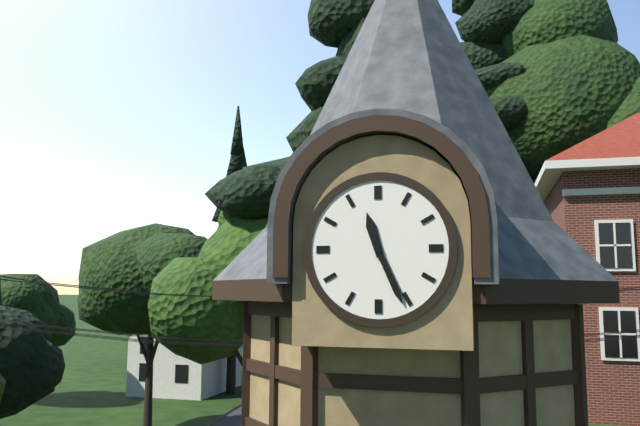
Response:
11.26
